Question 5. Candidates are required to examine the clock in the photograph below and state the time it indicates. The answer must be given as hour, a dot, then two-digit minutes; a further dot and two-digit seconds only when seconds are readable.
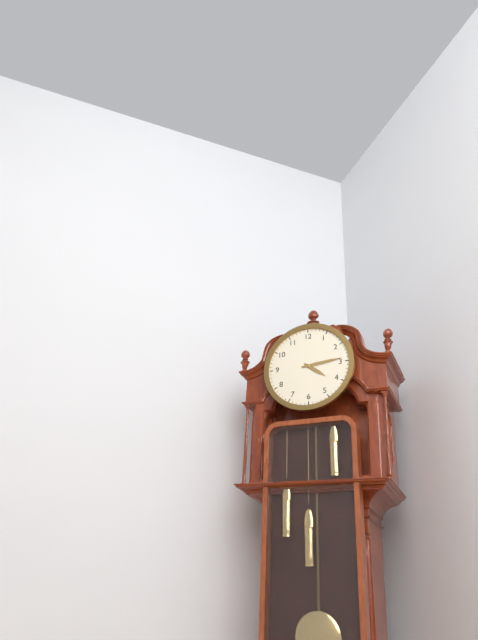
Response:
4.14
